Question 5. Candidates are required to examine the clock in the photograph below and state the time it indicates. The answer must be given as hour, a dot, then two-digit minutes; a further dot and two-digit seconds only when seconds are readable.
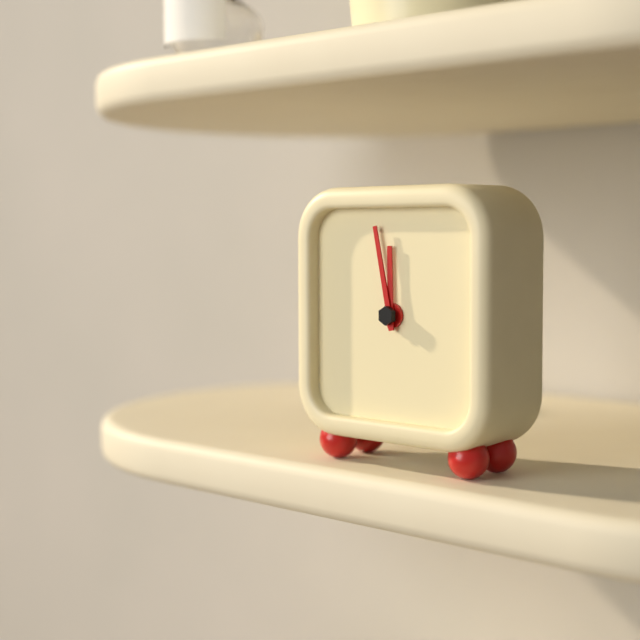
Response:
11.58
